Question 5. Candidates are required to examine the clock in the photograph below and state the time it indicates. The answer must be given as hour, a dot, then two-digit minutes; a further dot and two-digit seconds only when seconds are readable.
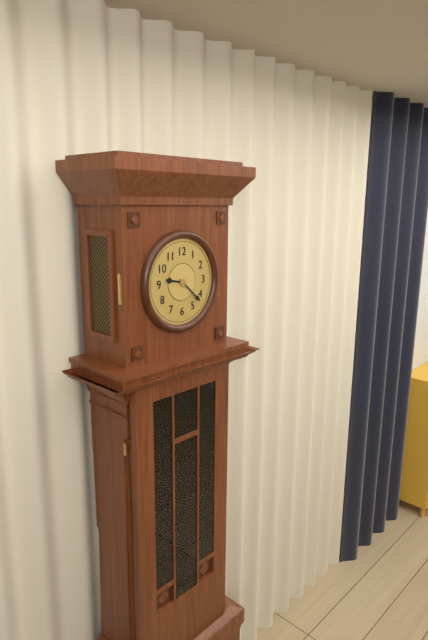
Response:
9.22
